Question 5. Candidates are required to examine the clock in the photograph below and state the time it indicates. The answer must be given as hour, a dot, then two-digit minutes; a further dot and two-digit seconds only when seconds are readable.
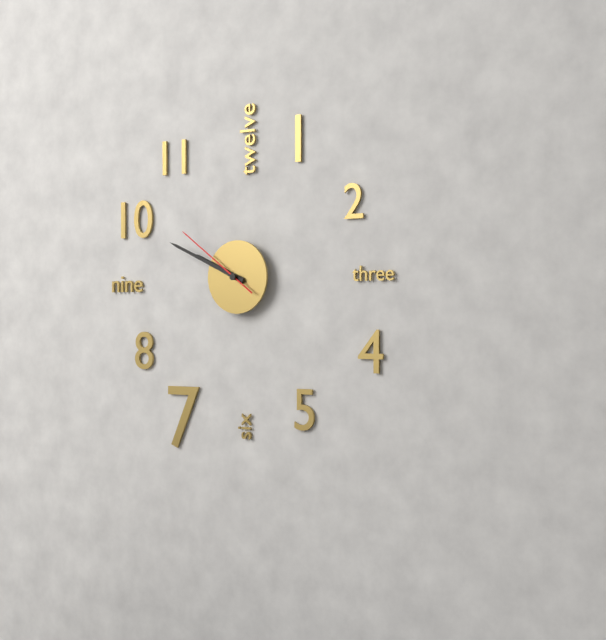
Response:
9.49.51
